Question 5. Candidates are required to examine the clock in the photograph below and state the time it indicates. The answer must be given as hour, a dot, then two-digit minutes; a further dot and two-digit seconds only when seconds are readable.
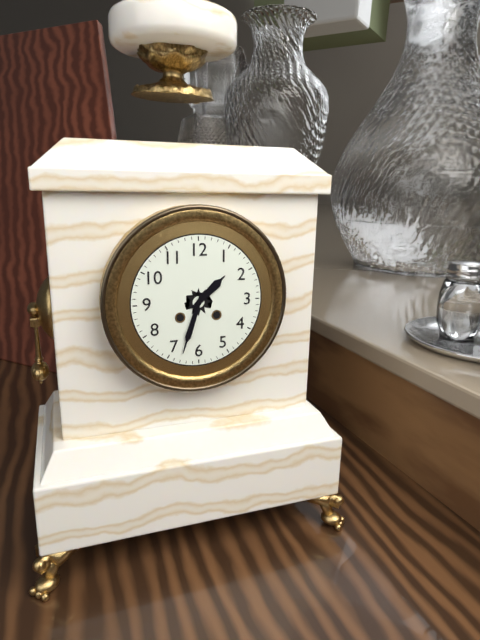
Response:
1.33
